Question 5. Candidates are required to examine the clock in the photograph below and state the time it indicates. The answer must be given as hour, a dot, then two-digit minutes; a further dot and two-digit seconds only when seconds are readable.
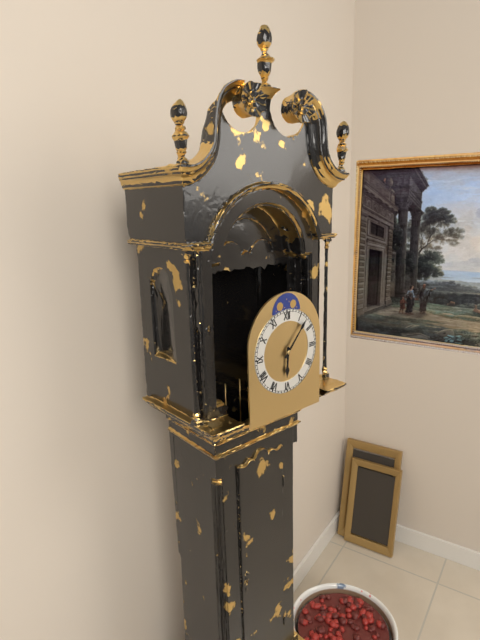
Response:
6.07
